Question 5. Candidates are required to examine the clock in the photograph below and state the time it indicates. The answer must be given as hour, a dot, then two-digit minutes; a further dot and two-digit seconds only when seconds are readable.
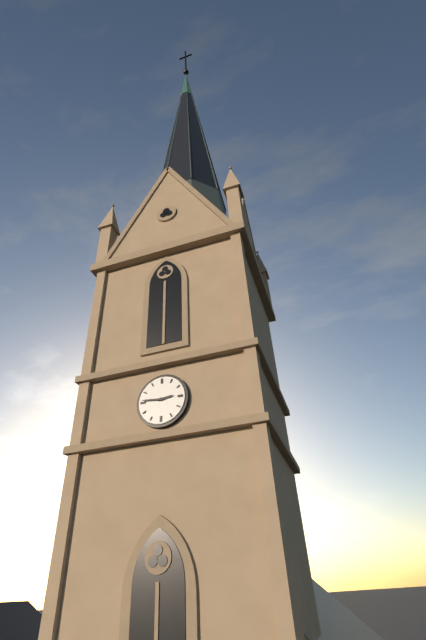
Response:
2.46
